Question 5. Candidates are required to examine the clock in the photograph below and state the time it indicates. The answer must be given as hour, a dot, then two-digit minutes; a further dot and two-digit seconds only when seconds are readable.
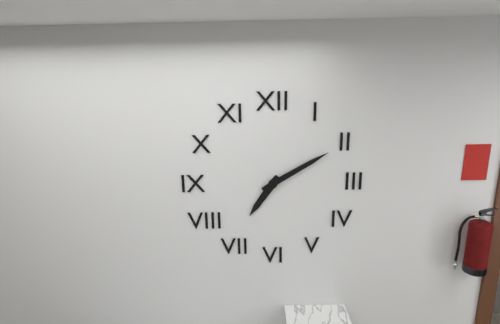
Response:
7.10
